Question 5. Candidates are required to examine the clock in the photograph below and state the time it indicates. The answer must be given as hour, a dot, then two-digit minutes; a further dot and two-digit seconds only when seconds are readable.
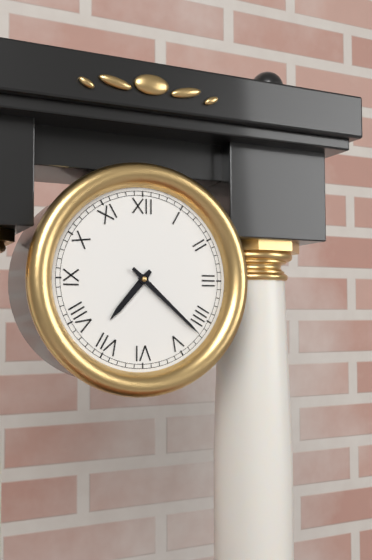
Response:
7.22
